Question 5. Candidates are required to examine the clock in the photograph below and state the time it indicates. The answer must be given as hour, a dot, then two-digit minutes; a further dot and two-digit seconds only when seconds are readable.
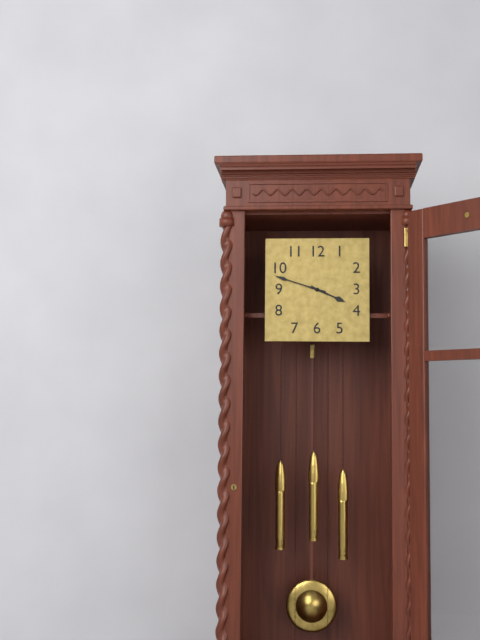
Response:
3.48
